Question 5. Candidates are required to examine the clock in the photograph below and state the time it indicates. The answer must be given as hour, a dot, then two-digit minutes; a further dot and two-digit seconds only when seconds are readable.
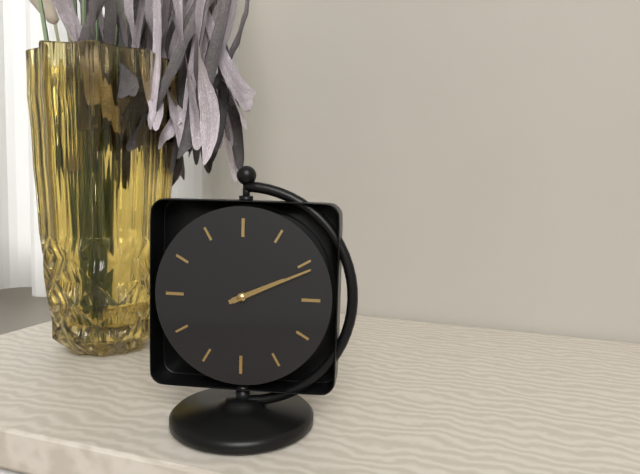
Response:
2.11
